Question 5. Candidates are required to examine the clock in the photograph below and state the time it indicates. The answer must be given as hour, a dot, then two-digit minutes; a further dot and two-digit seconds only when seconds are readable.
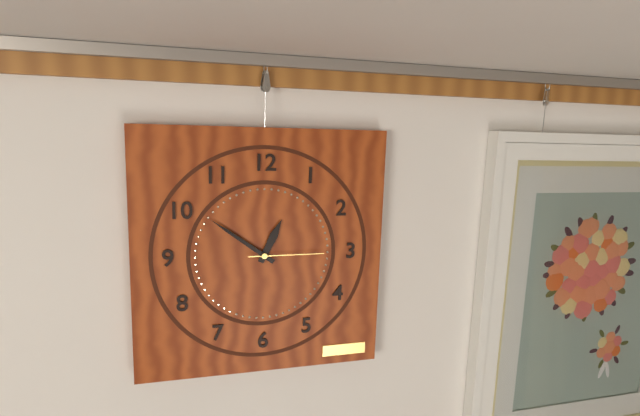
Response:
12.51.15
